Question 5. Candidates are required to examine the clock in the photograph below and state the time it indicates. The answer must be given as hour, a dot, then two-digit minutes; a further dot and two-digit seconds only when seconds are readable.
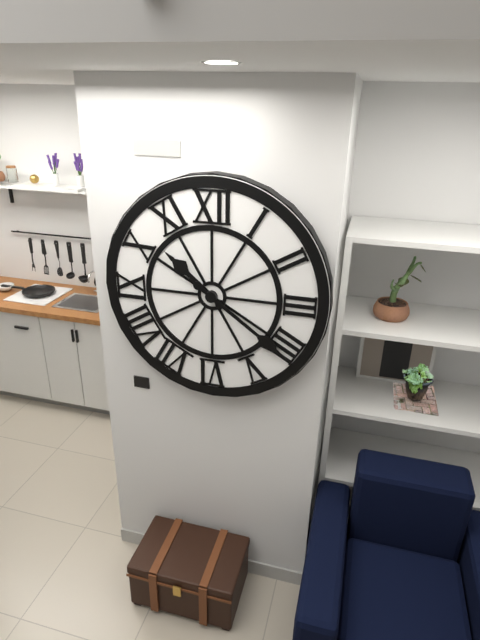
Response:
10.21
